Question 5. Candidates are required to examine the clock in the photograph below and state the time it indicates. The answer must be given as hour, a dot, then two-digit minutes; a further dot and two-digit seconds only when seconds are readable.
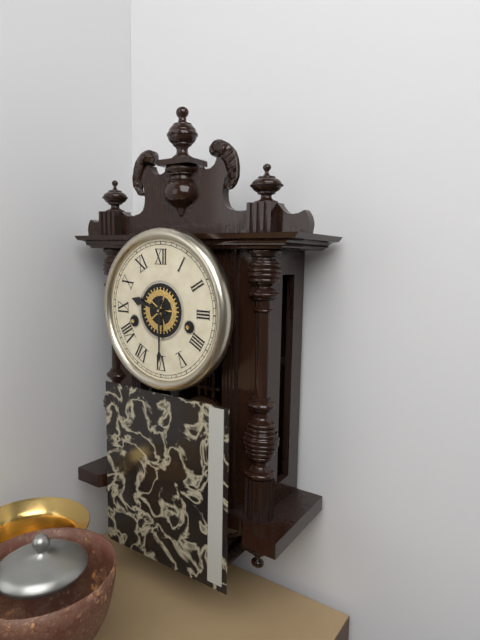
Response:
9.30
